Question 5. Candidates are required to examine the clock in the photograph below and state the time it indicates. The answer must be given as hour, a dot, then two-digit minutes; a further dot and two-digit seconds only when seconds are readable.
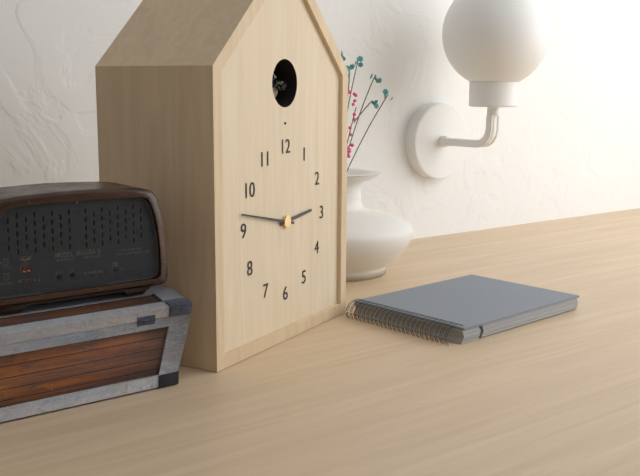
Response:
2.47
